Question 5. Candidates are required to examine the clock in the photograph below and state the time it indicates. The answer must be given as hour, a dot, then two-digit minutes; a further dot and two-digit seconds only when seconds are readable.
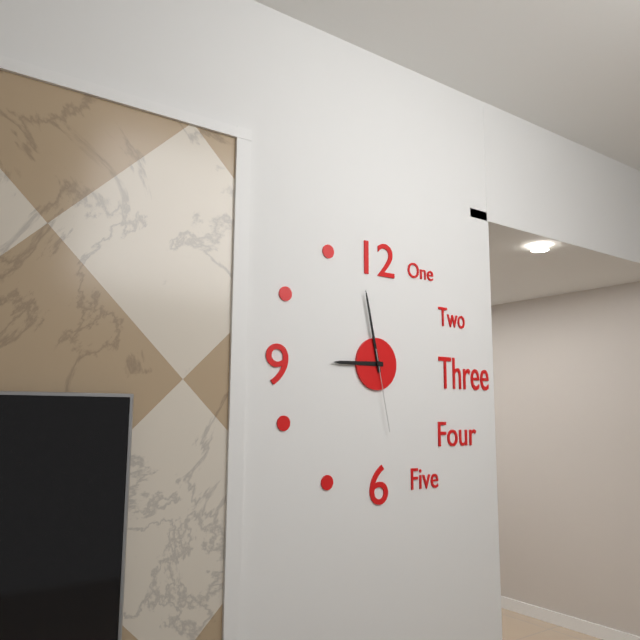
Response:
8.58.28
